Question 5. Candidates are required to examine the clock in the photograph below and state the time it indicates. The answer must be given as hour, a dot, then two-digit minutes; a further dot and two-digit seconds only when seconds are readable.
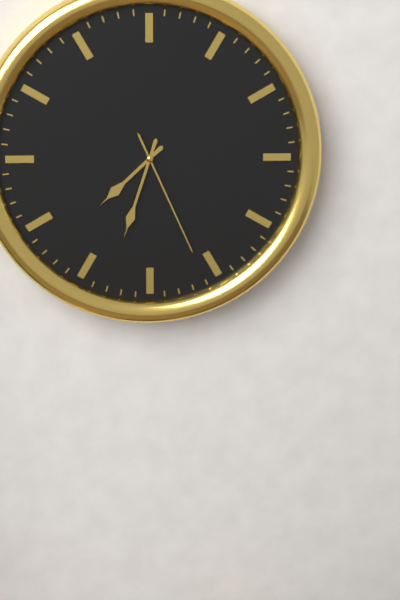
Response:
7.33.26
